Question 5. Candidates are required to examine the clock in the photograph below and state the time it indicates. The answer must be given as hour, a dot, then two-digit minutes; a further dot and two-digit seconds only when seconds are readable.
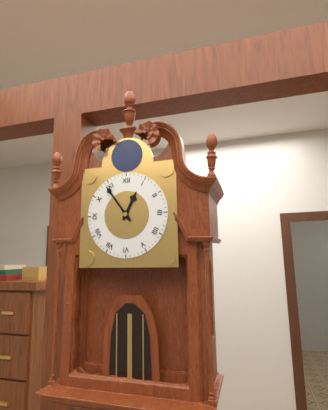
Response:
12.54
